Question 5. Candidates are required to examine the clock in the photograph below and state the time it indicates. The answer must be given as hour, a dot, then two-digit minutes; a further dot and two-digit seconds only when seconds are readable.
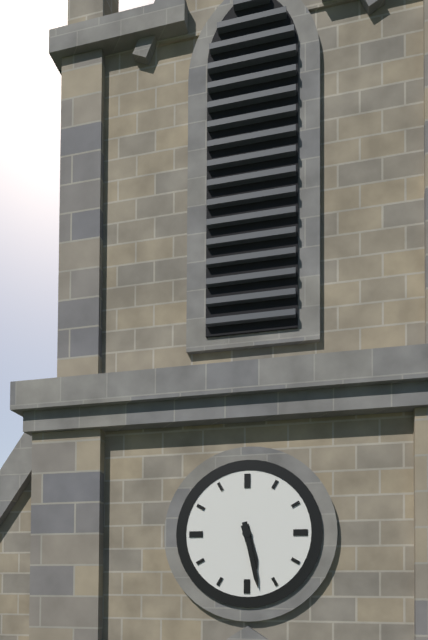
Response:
5.28
